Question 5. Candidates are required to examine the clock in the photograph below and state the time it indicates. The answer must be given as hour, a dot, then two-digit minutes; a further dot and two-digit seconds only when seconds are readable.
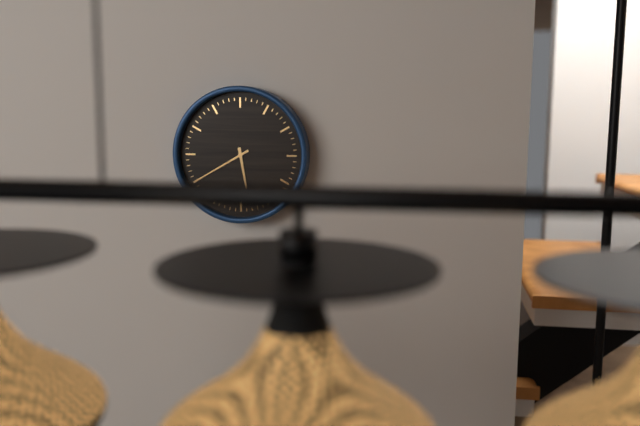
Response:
5.40
